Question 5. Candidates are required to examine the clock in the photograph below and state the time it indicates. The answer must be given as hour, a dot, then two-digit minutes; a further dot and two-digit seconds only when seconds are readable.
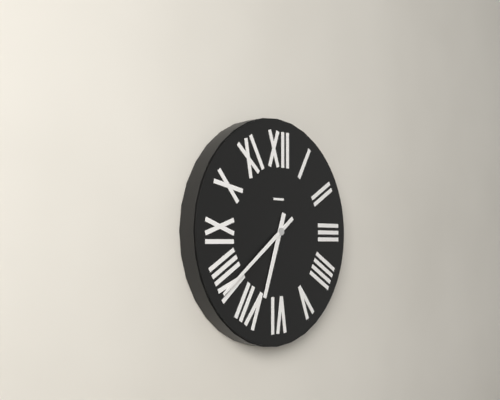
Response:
6.39
